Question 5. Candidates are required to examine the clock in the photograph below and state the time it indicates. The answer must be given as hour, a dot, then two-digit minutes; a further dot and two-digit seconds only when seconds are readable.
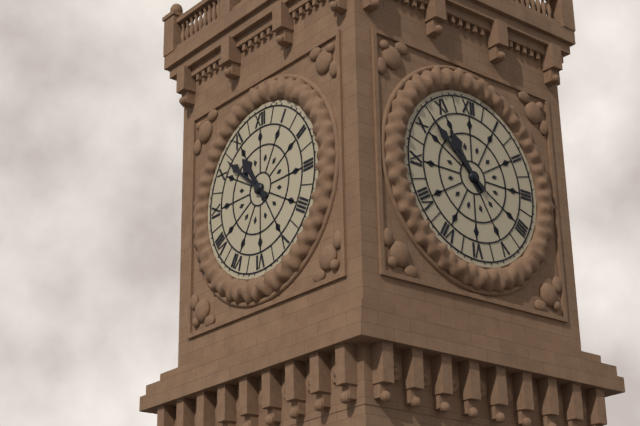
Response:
10.52
